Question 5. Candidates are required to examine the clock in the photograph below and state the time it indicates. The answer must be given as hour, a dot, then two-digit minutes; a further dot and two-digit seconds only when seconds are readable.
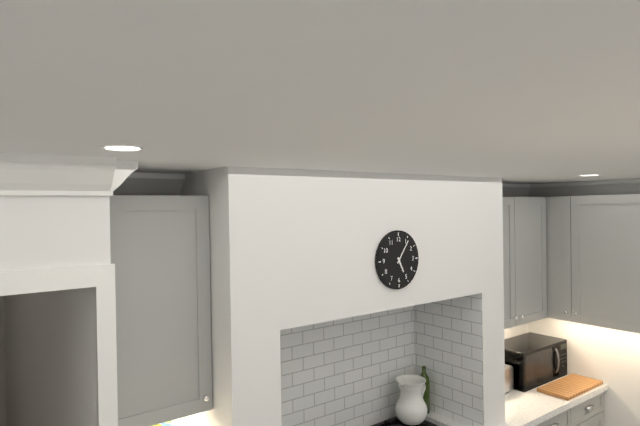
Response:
5.06
